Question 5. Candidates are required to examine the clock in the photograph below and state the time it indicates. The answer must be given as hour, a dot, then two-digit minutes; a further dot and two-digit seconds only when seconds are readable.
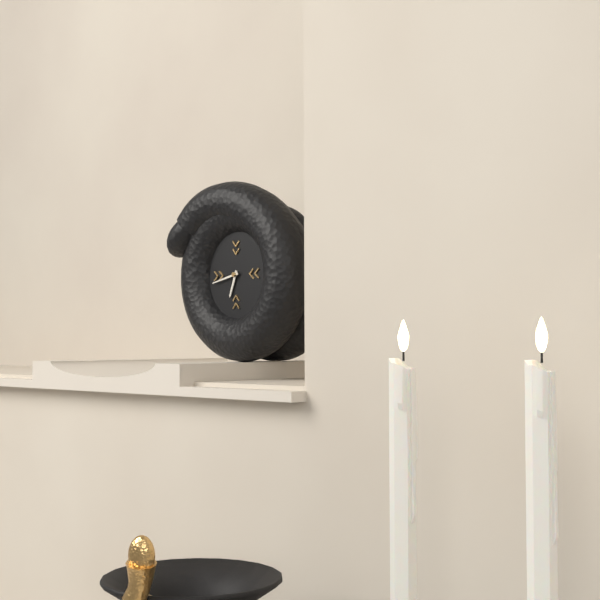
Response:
6.43
